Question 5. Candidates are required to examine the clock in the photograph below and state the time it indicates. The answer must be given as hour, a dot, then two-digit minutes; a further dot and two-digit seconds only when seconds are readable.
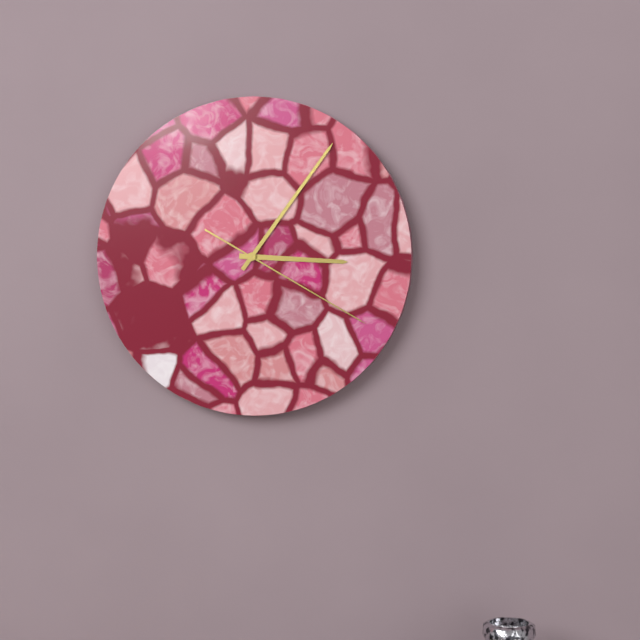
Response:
3.06.20
